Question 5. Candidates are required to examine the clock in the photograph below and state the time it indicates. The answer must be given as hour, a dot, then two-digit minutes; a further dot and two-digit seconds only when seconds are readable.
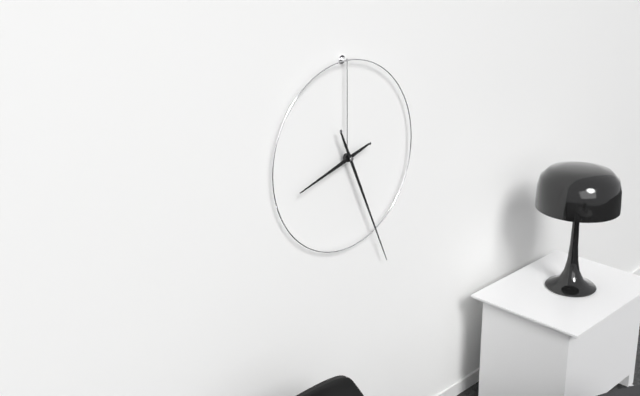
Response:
8.26
